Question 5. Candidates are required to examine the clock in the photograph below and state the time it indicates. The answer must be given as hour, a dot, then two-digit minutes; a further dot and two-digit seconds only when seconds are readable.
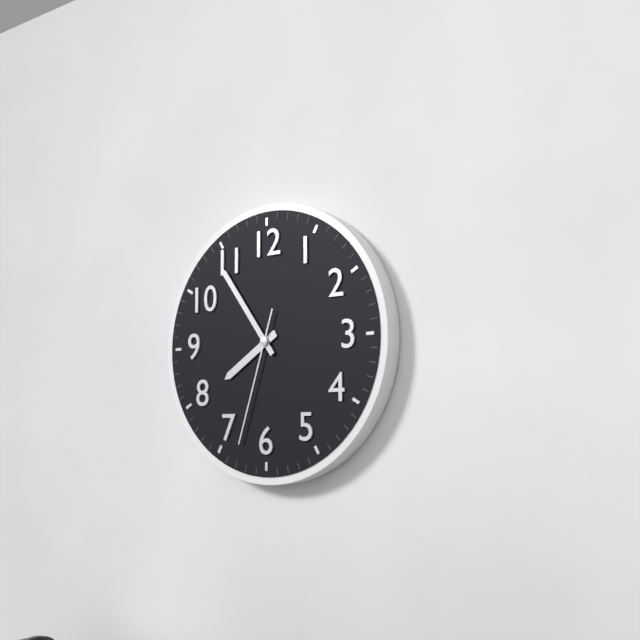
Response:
7.54.33
